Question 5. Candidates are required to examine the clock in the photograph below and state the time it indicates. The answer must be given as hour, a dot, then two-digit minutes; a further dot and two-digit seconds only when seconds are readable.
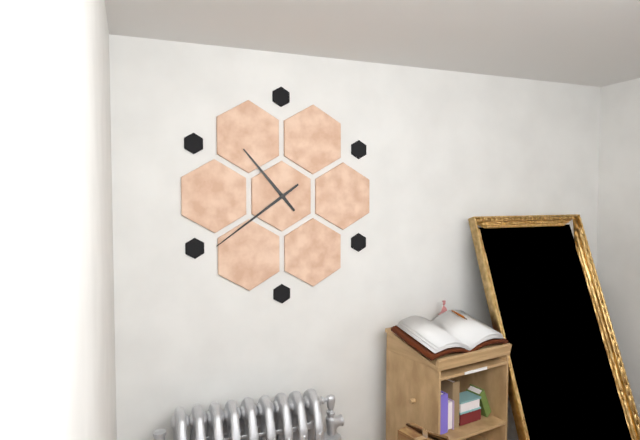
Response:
10.39
